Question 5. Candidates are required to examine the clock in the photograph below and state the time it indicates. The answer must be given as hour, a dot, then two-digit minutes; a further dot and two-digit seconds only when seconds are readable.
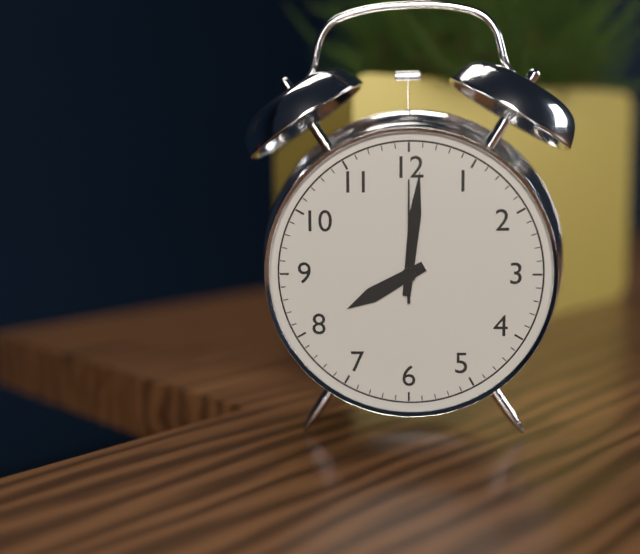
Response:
8.01.00
